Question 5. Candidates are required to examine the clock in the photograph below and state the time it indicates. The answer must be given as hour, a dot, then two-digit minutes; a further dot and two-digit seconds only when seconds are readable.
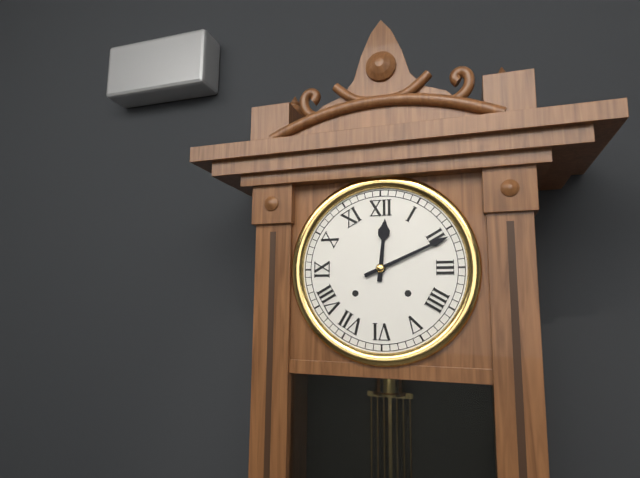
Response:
12.11
